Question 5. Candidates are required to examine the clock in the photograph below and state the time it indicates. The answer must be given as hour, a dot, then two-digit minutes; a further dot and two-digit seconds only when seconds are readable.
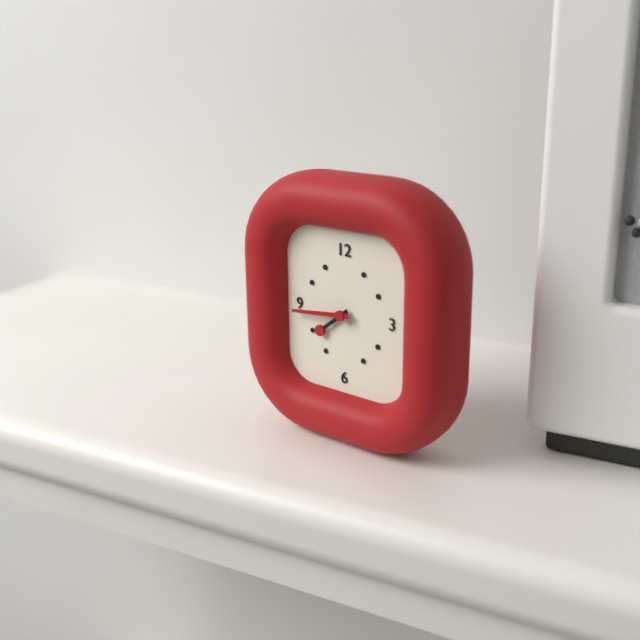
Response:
7.44
